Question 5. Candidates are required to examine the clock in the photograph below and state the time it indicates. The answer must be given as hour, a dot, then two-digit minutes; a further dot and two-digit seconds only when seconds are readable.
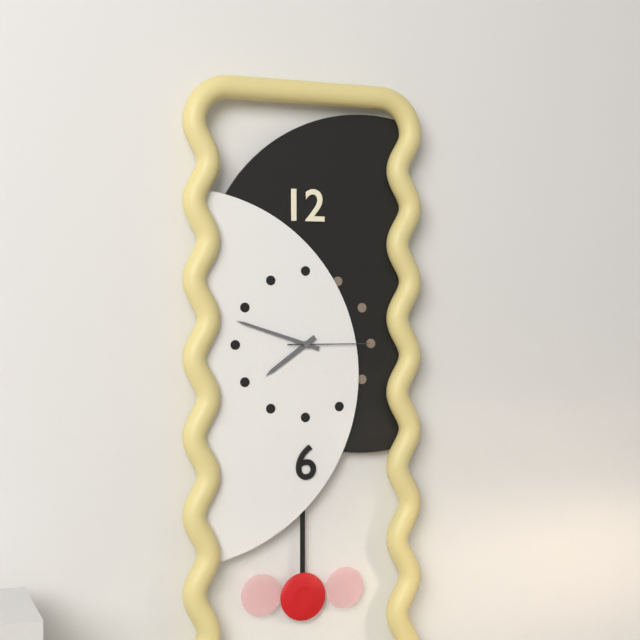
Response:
7.48.15
